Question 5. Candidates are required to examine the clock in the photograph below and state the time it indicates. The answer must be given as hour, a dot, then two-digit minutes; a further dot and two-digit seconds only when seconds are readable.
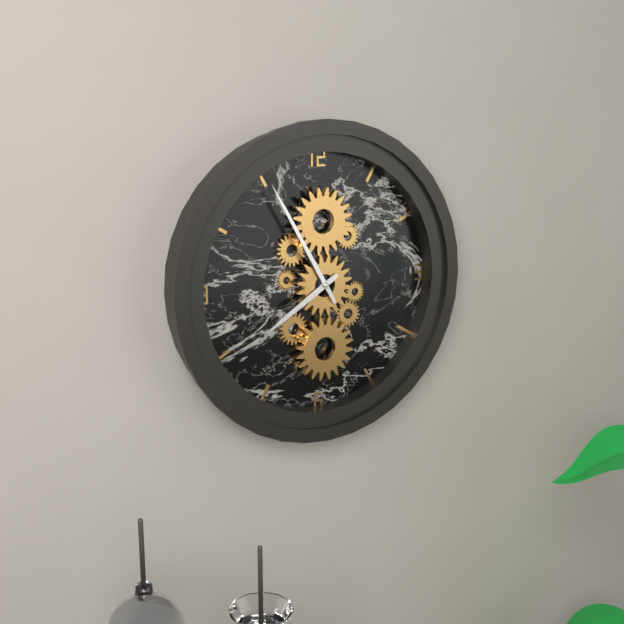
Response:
7.55
